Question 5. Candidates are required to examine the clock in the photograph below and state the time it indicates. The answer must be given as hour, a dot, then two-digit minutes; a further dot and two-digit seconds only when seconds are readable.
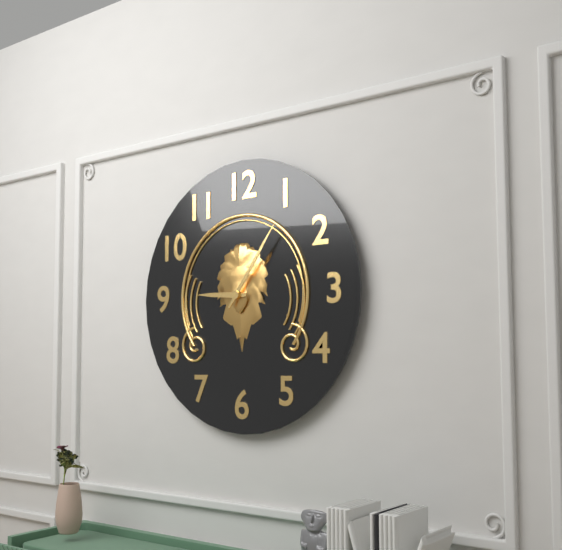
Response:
9.06
